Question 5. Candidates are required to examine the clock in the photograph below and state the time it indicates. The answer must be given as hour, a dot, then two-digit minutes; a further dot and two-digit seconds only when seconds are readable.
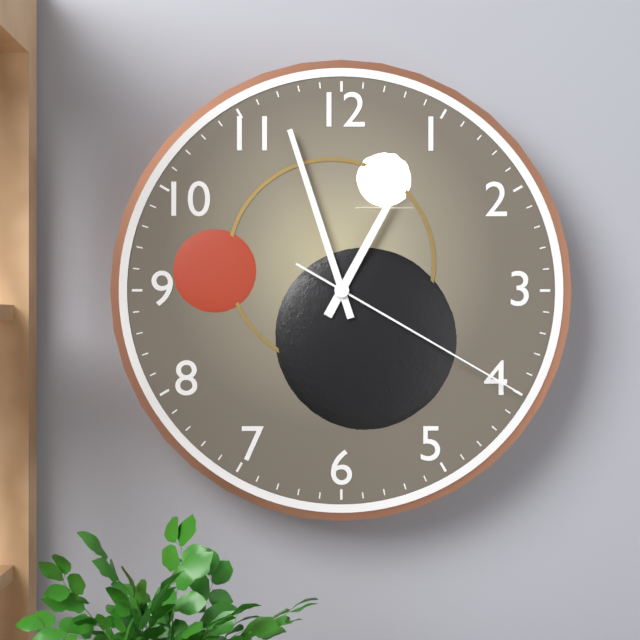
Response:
12.57.20
